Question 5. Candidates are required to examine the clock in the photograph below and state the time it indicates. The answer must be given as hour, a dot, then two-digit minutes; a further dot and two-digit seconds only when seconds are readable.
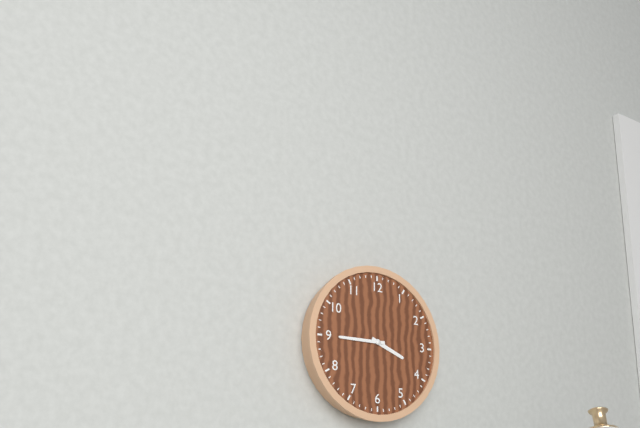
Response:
3.45
